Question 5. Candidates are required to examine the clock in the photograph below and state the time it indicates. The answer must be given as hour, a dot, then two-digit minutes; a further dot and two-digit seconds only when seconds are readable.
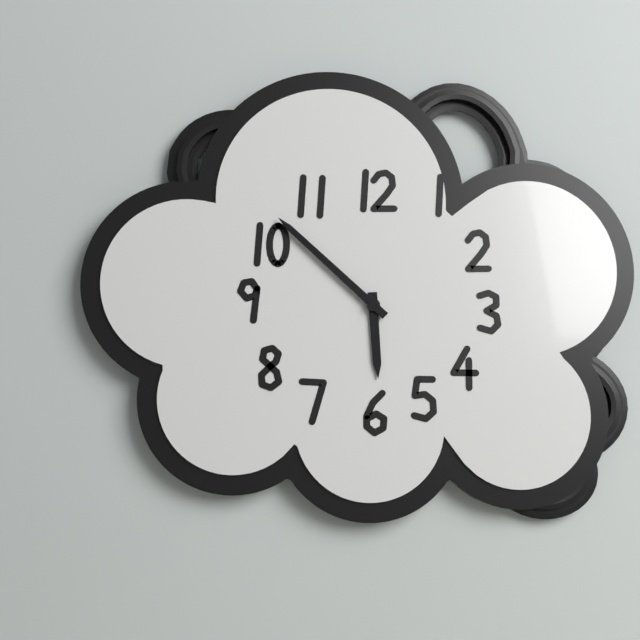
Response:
5.52
